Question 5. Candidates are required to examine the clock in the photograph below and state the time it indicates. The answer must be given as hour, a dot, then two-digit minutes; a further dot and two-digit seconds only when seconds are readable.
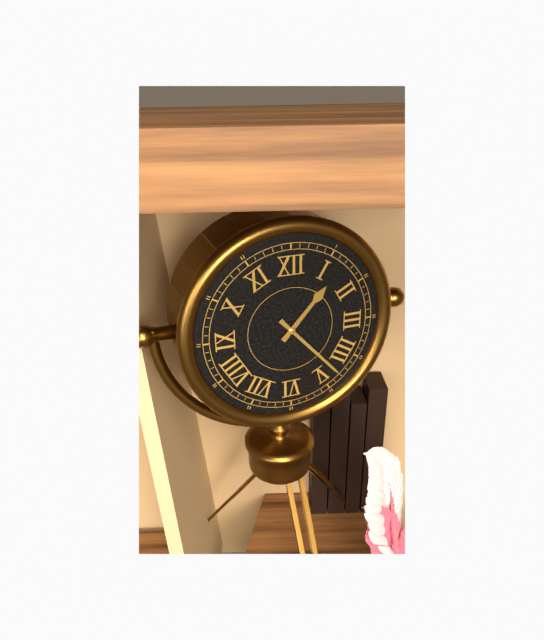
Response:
1.23
